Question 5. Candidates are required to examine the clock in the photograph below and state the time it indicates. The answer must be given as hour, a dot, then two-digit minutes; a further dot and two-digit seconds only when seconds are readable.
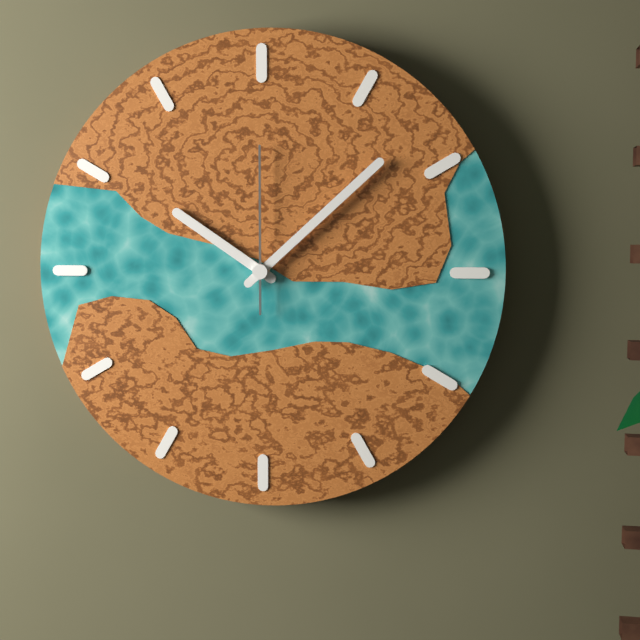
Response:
10.08.00
